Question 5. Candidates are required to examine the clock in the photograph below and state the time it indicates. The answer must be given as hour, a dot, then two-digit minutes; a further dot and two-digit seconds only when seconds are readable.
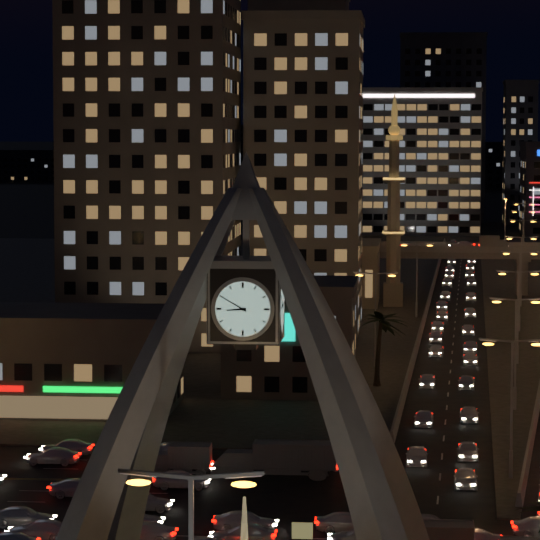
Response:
8.50
